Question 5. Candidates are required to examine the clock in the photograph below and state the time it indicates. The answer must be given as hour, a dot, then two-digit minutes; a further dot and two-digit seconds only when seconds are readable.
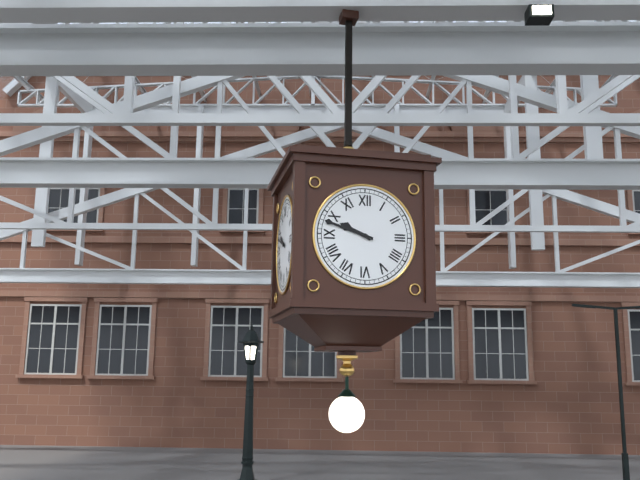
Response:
9.48
